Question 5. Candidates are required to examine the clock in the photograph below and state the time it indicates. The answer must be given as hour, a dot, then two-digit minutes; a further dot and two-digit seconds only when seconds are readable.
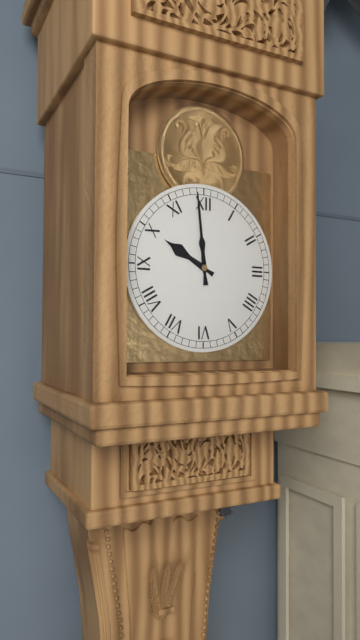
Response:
9.59
